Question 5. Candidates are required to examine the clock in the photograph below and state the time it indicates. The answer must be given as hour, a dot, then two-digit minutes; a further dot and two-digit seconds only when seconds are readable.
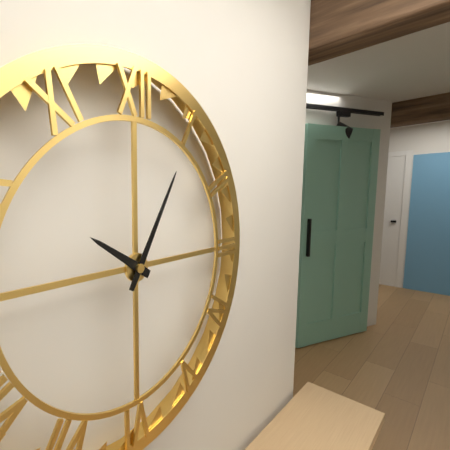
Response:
10.05
